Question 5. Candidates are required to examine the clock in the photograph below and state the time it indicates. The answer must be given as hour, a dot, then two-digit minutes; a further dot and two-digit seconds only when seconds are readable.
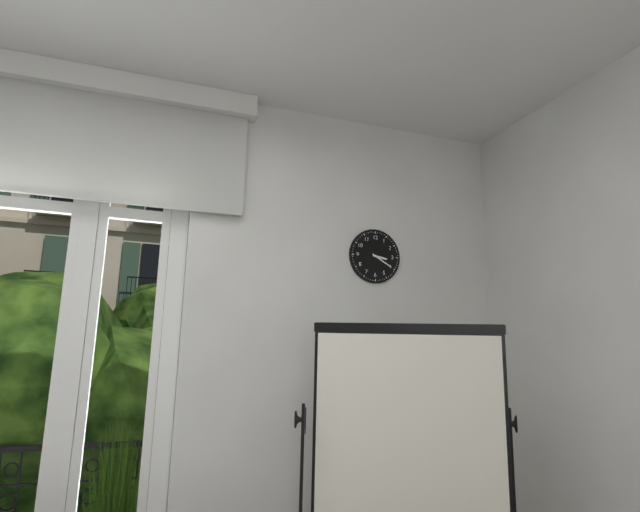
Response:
3.20
